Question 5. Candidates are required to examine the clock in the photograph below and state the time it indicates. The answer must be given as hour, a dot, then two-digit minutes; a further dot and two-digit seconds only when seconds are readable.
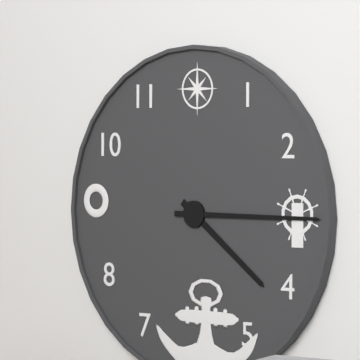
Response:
4.15
